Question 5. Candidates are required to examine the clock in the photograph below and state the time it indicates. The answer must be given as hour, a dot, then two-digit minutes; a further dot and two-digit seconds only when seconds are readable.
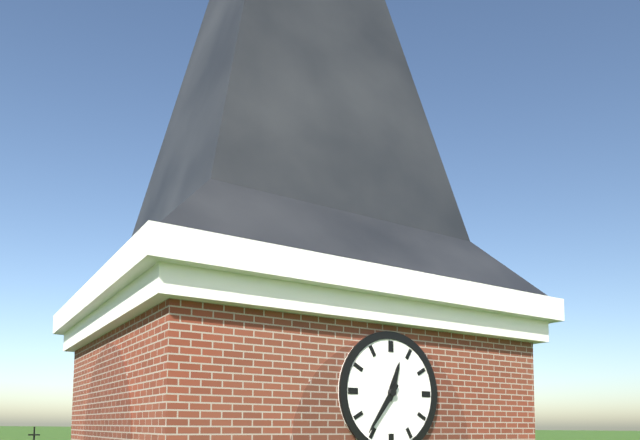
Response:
12.36
